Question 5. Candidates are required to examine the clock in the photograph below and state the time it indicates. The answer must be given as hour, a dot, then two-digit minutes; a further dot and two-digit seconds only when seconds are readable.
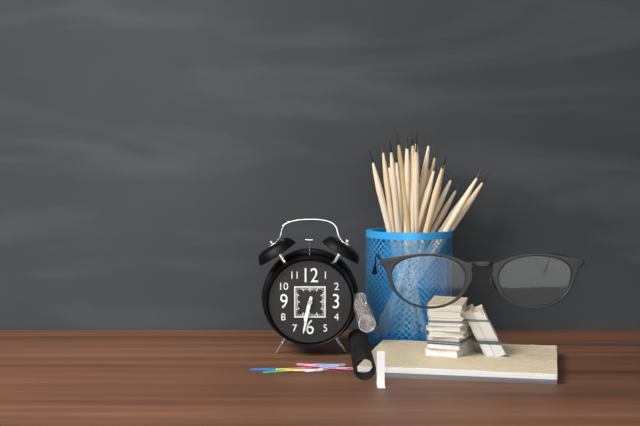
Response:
6.32
